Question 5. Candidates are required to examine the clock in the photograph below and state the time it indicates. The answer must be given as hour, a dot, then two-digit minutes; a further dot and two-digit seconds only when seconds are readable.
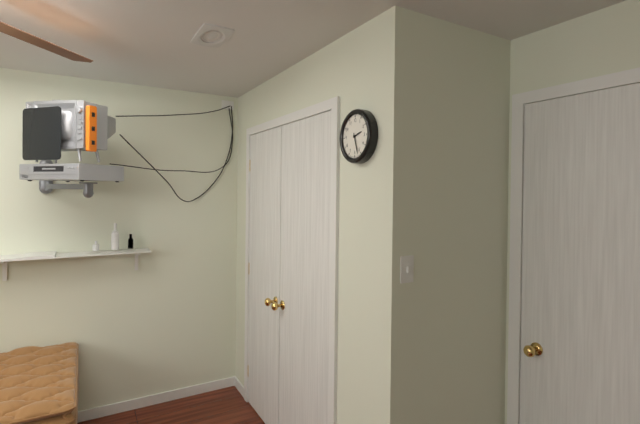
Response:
2.27
